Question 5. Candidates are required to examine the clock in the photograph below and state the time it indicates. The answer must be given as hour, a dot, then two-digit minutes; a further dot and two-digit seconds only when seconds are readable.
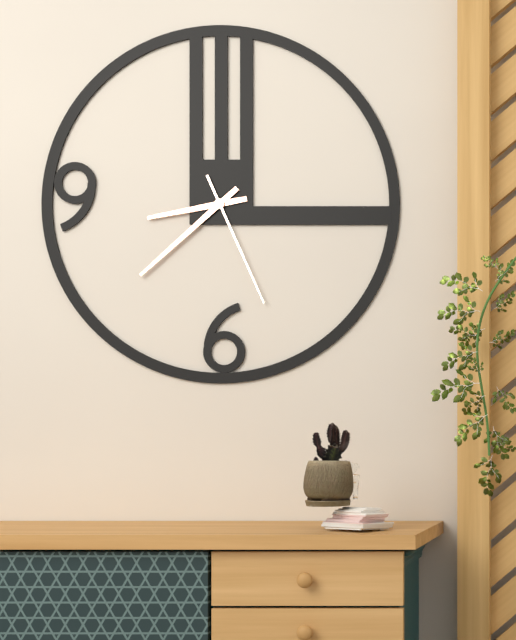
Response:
8.38.26
